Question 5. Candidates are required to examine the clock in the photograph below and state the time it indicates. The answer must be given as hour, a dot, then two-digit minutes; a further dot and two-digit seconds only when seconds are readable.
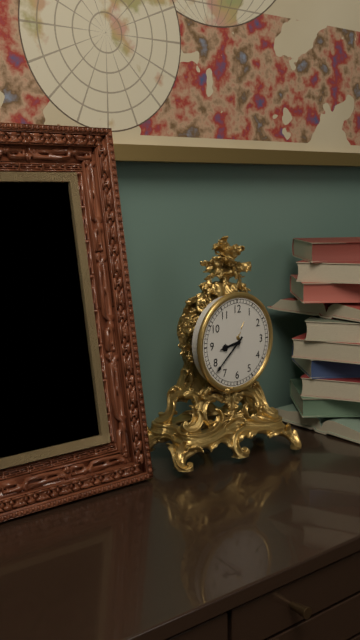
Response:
8.38
